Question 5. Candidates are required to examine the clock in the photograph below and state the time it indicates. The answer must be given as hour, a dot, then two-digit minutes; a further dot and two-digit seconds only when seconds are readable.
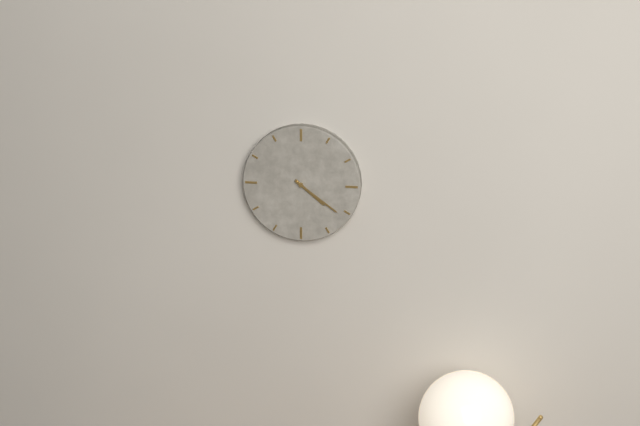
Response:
4.21
